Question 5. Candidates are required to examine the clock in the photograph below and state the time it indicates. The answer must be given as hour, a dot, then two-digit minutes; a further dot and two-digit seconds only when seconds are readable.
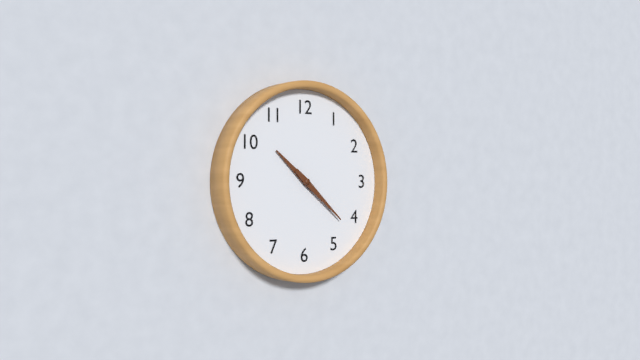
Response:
10.22
